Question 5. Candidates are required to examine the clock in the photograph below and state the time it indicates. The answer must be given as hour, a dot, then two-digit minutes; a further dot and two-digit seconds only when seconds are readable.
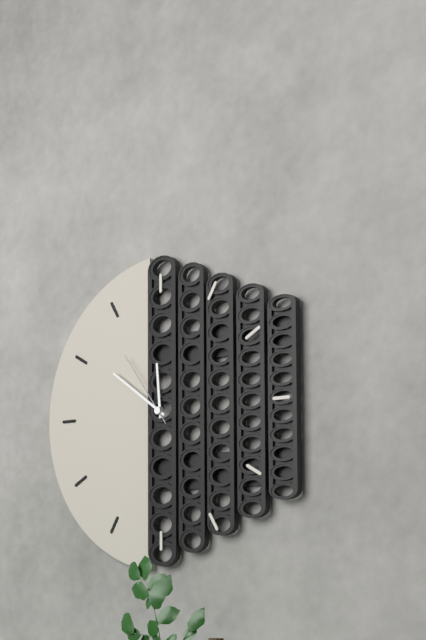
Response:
11.51.54
